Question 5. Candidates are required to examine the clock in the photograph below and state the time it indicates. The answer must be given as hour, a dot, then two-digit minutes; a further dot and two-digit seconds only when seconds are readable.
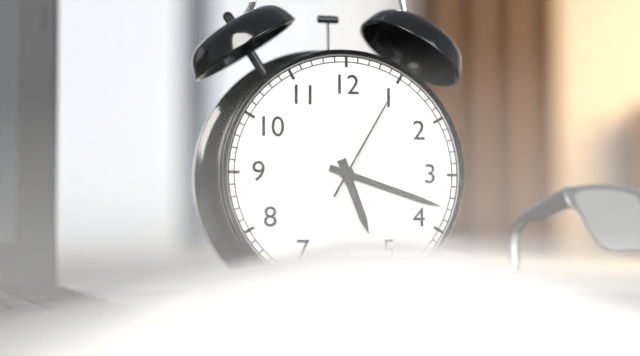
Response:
5.18.05
